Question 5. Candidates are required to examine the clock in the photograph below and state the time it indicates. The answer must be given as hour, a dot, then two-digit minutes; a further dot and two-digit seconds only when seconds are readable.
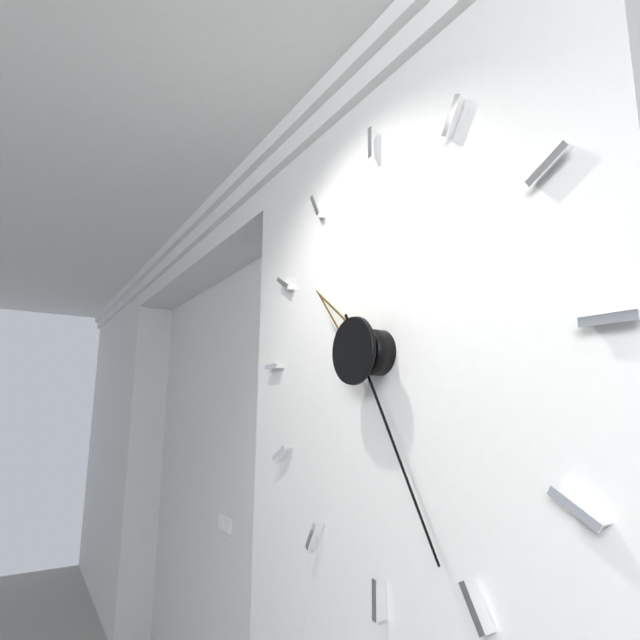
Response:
10.25
